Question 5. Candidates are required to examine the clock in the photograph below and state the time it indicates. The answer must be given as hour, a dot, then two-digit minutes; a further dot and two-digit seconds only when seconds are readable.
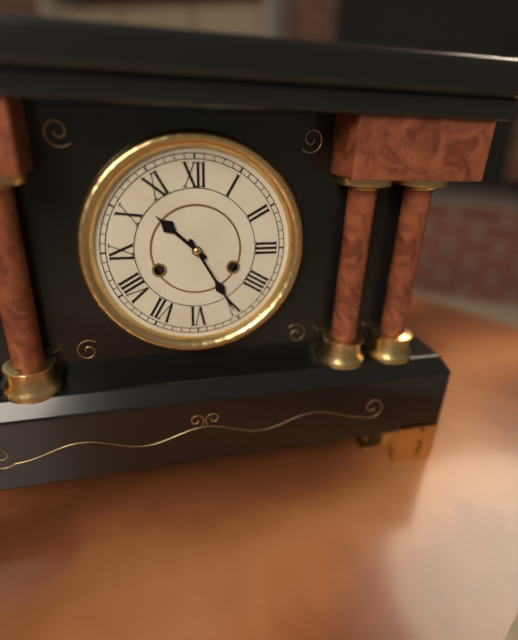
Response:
10.25
